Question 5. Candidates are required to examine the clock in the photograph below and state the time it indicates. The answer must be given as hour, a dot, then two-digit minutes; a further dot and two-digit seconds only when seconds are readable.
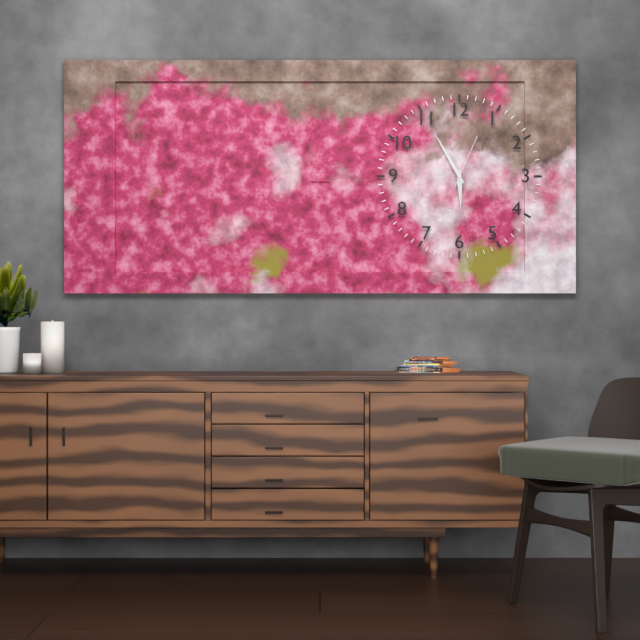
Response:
5.55.04
